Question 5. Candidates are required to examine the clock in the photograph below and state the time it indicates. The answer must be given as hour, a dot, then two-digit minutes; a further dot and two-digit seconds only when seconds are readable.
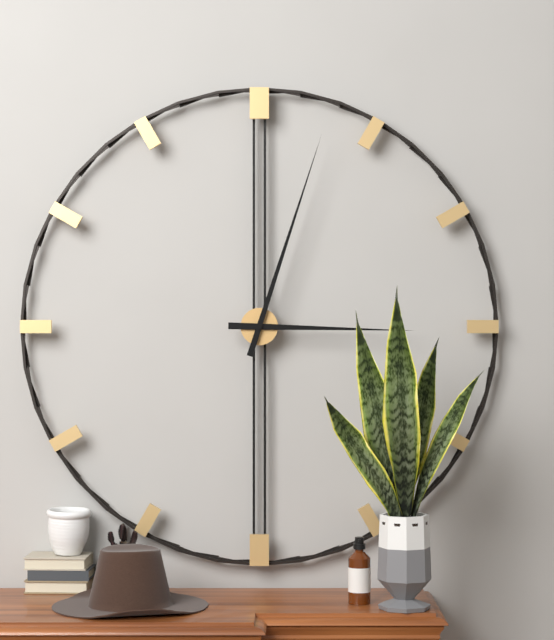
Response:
3.03
